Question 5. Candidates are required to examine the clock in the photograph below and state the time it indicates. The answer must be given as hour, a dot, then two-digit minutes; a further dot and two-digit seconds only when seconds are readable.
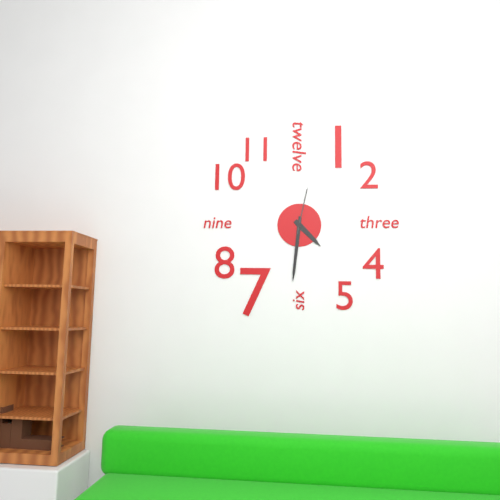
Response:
4.31
